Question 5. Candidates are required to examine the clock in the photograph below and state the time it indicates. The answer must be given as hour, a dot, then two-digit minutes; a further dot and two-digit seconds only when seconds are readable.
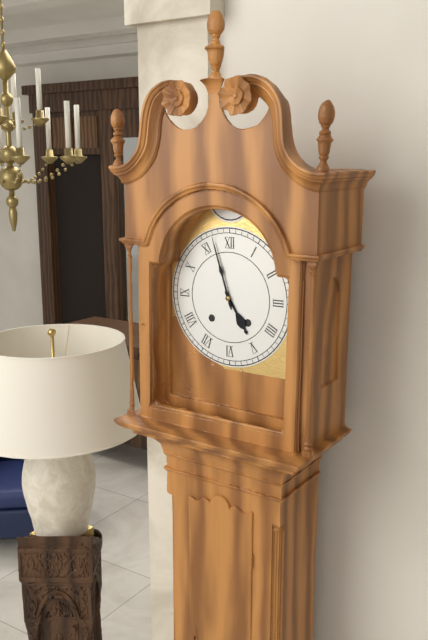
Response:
4.57
